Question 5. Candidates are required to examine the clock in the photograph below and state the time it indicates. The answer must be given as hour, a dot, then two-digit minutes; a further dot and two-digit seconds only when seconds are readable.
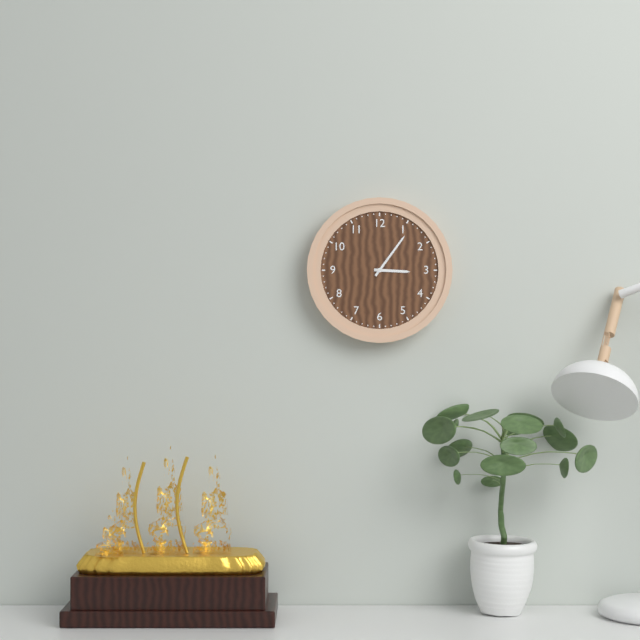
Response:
3.06
